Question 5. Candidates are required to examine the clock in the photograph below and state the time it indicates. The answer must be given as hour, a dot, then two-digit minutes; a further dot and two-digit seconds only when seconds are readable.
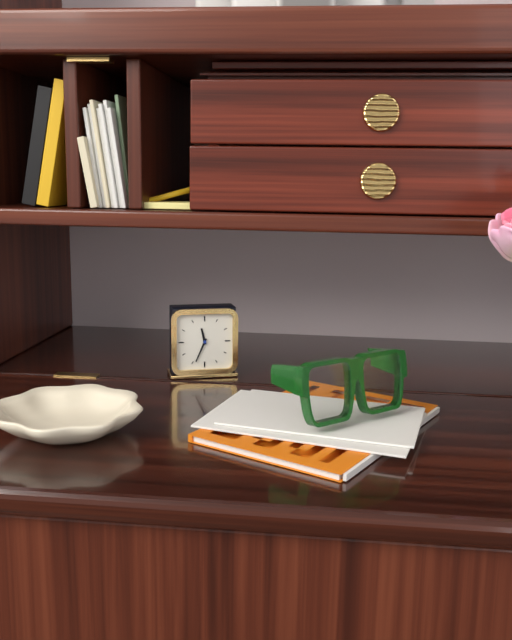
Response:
11.34
